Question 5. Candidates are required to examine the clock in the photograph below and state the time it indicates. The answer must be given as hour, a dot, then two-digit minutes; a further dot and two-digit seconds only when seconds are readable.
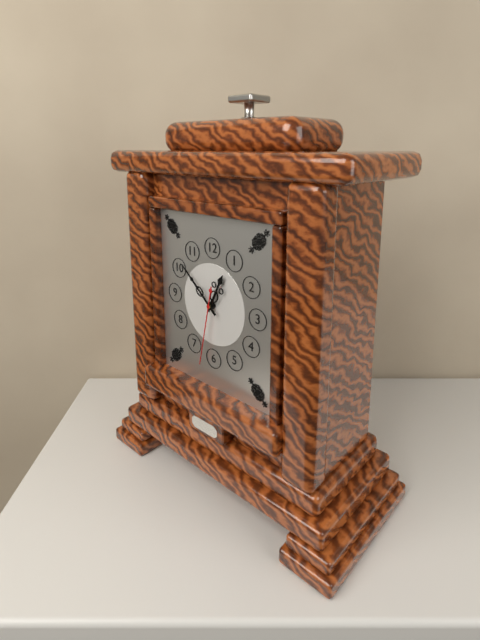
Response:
12.52.32
